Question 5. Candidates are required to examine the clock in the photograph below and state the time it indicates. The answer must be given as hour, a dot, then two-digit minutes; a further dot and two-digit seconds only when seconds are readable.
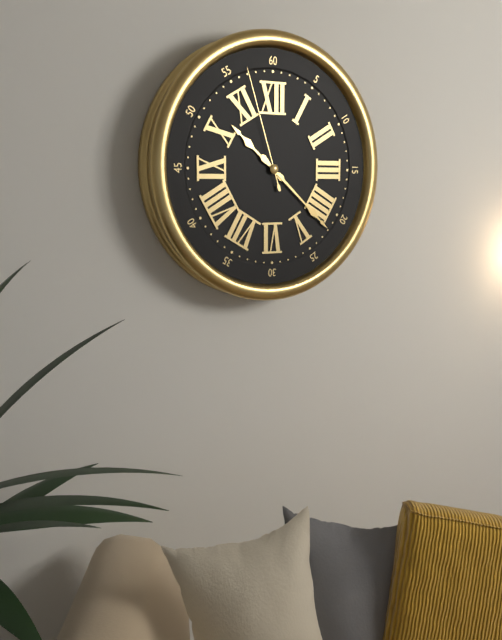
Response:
10.22.57
